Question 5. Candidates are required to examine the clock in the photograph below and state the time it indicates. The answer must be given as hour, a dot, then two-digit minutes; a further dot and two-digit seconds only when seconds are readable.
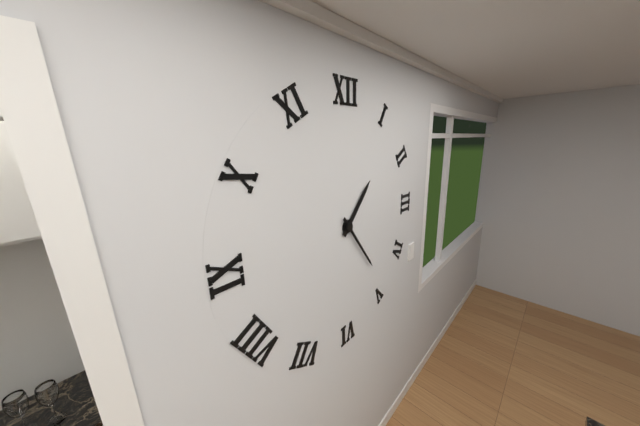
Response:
1.24
